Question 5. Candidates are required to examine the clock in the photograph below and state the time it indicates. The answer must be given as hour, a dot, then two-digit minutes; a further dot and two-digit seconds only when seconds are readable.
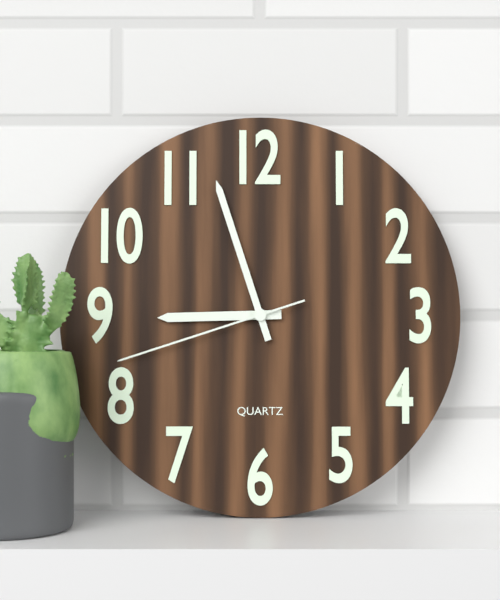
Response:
8.57.42
